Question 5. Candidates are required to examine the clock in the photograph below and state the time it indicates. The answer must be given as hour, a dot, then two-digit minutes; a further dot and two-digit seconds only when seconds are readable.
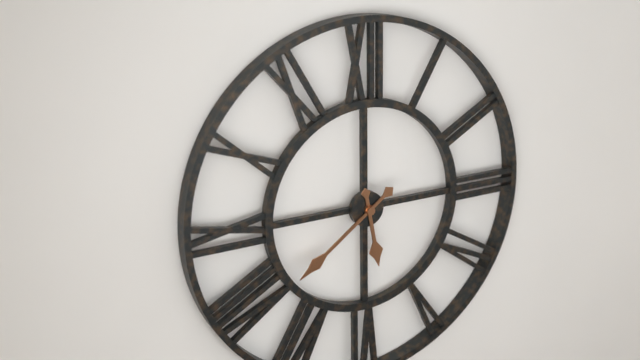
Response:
5.39
